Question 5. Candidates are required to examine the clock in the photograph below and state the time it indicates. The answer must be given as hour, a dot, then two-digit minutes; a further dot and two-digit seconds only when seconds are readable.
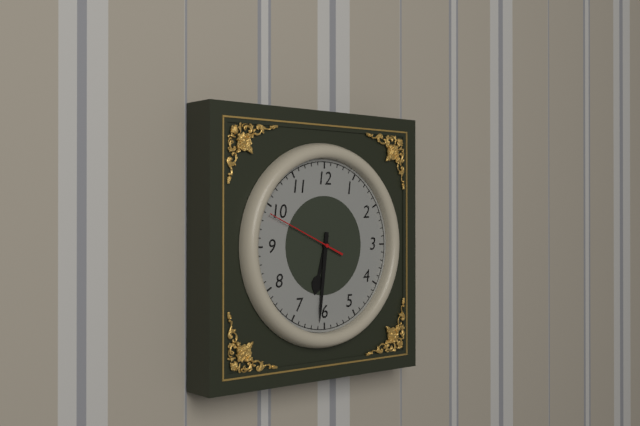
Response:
6.31.49
